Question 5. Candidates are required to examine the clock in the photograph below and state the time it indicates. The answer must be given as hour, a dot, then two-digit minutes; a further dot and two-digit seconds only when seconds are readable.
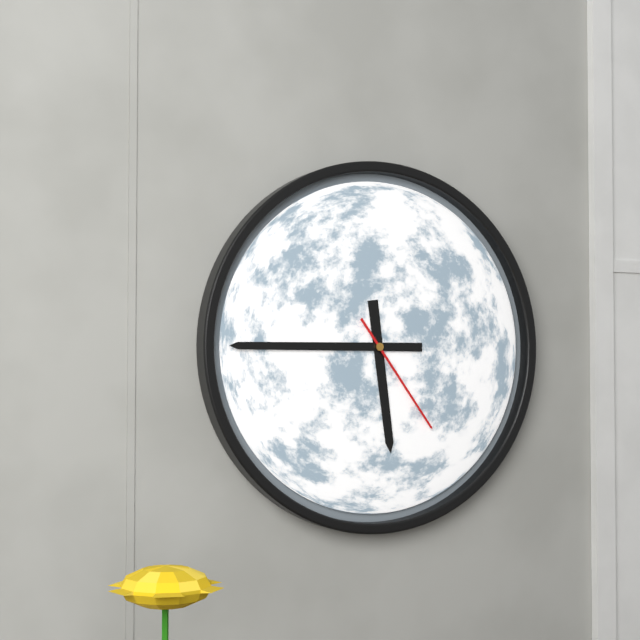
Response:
5.45.24
